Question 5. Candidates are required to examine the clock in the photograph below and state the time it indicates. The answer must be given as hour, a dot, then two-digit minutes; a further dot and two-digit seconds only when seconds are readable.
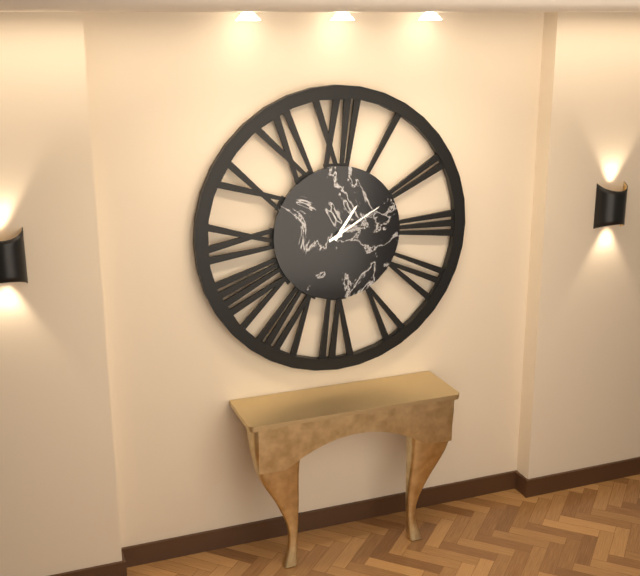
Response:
1.10
